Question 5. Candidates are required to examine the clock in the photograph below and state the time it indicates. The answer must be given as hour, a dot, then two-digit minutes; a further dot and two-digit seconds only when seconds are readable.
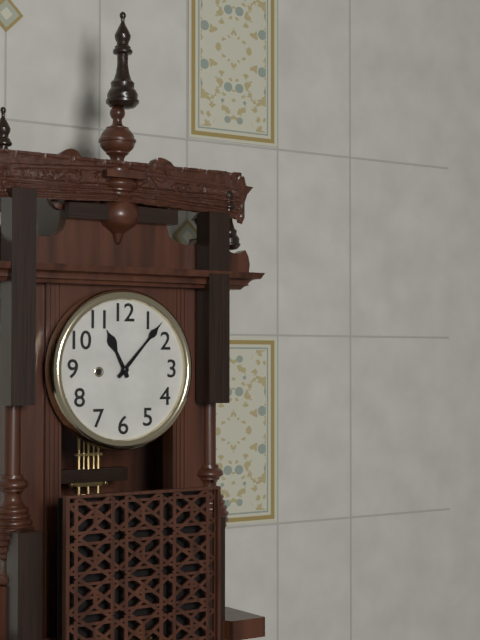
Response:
11.07
